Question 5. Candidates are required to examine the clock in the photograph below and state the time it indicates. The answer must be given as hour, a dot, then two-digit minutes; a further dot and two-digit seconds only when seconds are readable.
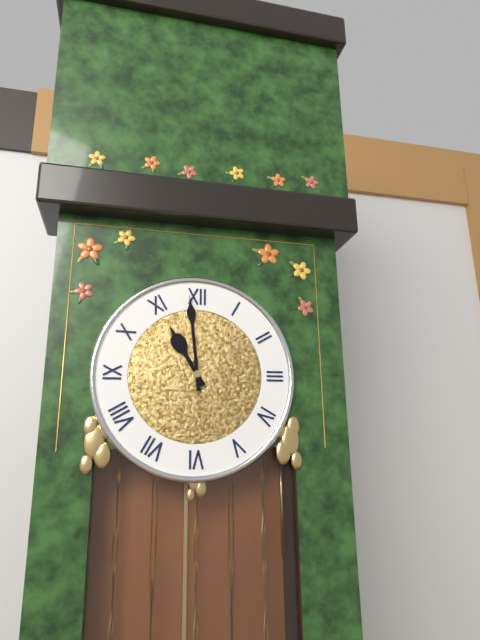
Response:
10.59
